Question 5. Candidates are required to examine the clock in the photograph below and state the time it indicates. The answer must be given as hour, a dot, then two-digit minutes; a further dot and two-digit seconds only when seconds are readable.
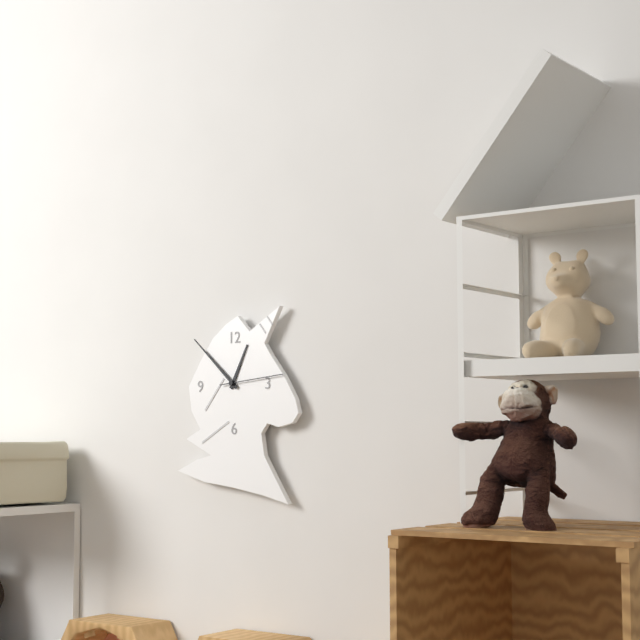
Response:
12.52.14
